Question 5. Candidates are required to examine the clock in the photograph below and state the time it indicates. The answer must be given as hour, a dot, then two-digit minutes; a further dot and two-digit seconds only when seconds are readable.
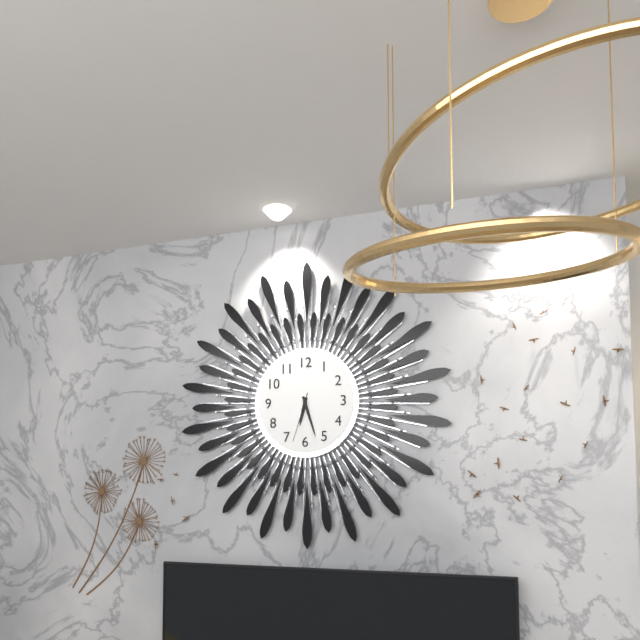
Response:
6.27.33
